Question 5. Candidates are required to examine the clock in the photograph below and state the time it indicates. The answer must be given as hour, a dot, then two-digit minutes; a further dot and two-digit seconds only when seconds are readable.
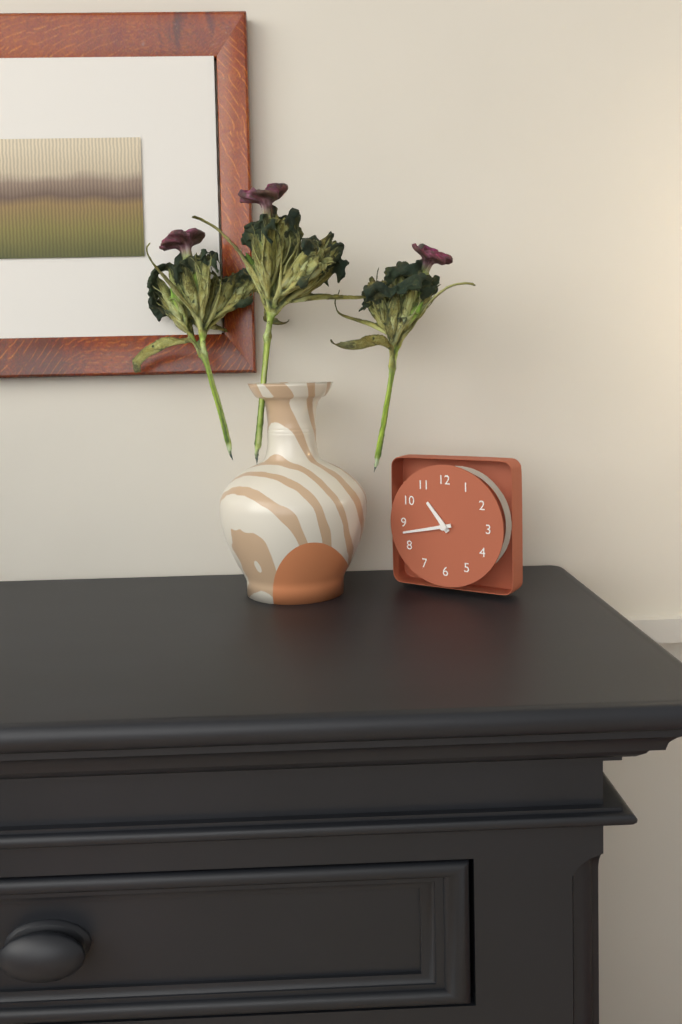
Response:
10.43
